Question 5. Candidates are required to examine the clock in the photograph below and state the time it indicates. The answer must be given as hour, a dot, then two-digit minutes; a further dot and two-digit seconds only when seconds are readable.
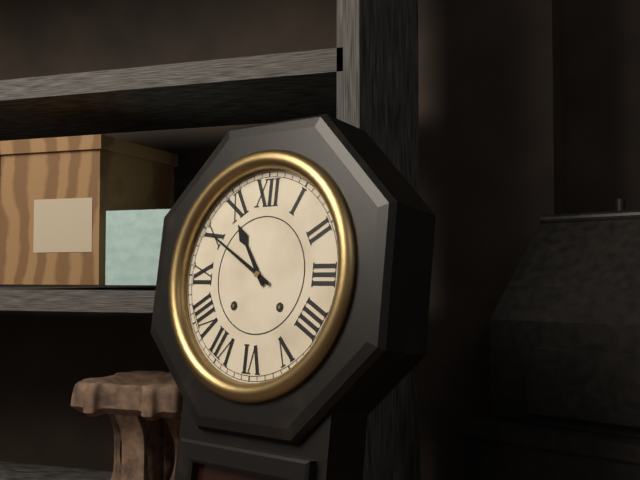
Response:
10.50
